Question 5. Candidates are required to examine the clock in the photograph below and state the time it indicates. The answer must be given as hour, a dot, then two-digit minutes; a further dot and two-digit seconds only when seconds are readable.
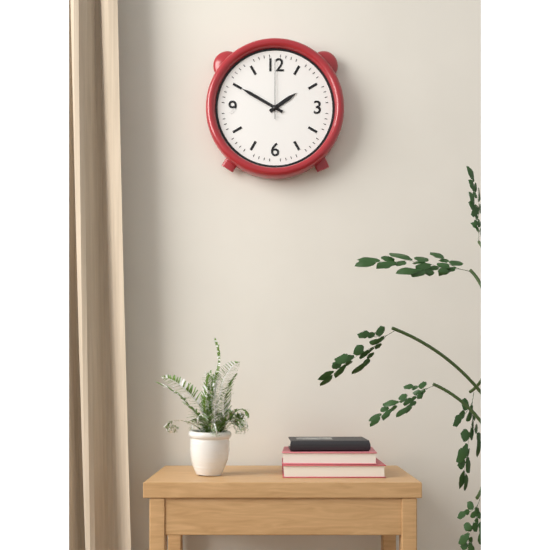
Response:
1.50.00
